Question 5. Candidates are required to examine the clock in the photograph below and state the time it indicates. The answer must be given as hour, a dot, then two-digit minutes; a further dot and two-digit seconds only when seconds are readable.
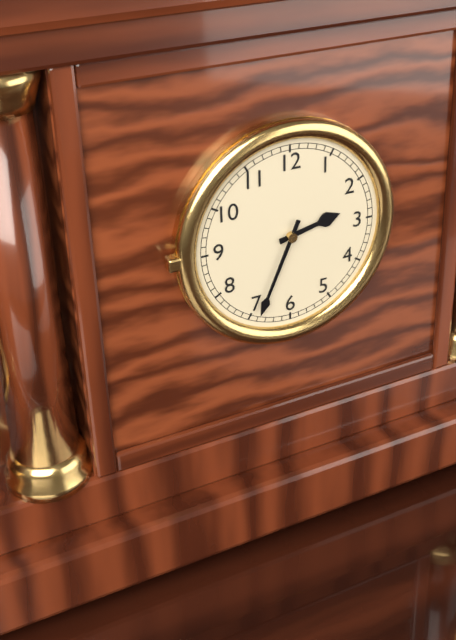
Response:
2.34
